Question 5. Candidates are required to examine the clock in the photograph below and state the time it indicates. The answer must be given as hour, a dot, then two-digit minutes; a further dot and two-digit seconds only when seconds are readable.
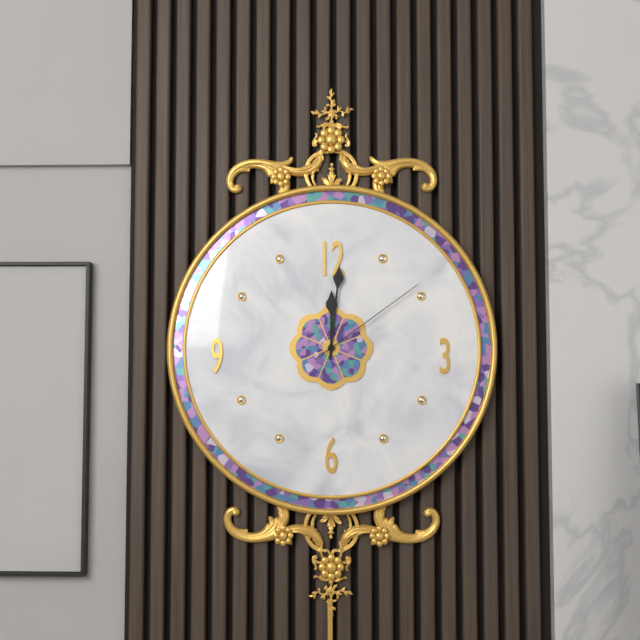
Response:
12.01.09
